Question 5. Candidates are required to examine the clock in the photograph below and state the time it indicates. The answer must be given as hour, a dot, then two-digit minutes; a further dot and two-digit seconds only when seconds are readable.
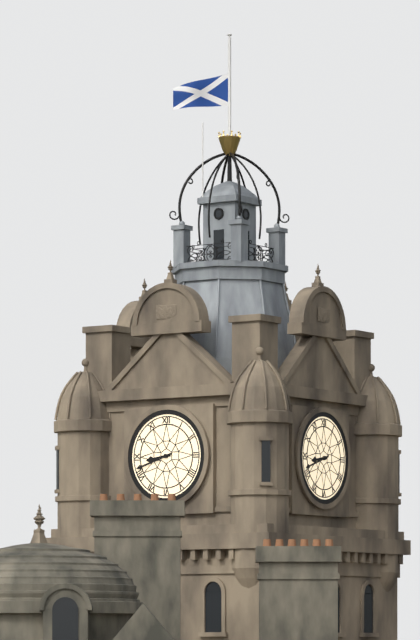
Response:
8.42
